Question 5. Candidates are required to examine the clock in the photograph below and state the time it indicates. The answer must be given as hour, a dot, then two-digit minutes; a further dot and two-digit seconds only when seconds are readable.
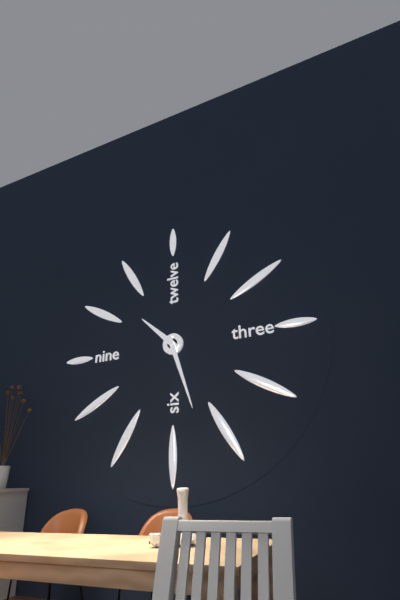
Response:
10.27
